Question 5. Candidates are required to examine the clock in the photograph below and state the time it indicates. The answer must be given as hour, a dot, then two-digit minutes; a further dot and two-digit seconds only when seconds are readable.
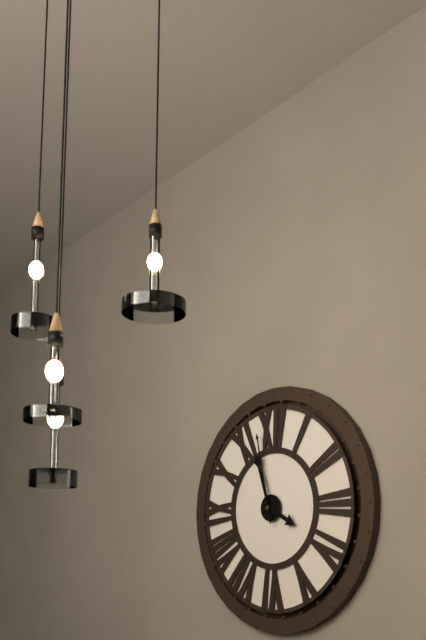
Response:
3.57.58
